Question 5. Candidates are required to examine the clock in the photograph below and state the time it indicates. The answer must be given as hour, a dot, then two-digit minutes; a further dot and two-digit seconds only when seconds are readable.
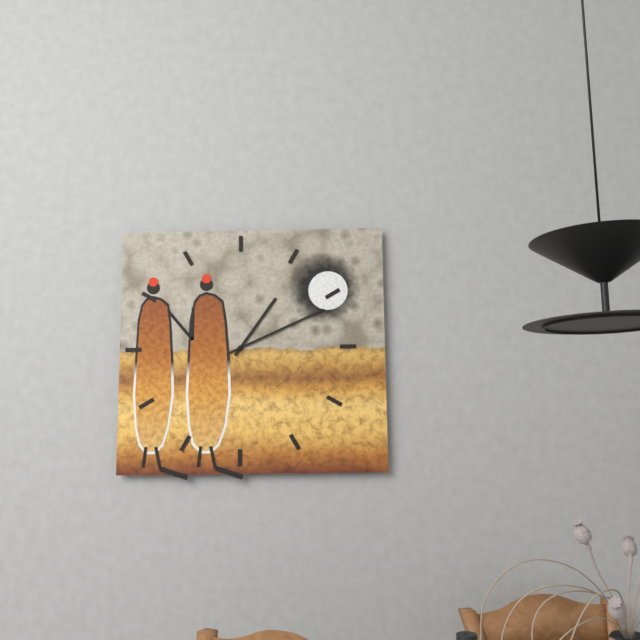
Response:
1.11
